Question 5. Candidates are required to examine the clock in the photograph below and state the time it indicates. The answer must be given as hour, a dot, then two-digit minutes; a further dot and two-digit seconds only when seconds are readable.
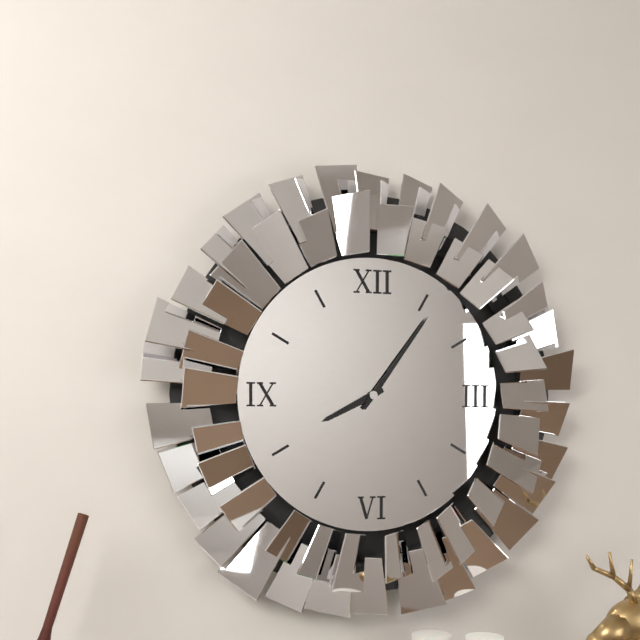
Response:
8.06
